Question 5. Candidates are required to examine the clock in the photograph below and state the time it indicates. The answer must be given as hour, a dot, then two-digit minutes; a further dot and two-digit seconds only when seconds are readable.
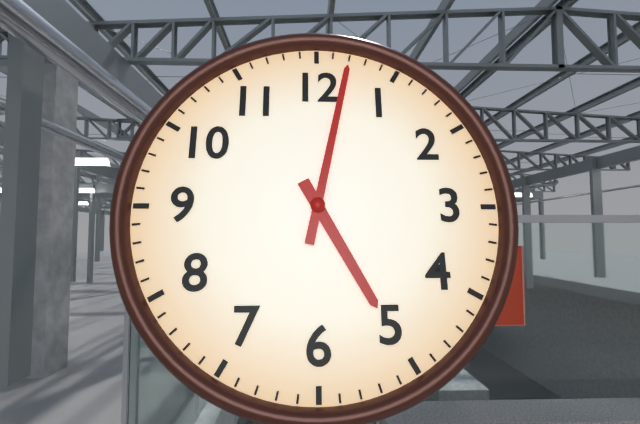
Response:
5.02
